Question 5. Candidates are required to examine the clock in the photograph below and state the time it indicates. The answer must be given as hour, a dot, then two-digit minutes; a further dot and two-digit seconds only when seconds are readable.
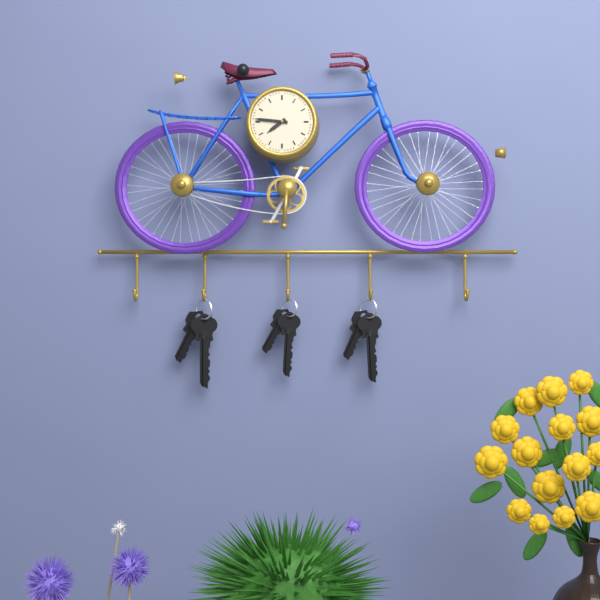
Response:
7.46
